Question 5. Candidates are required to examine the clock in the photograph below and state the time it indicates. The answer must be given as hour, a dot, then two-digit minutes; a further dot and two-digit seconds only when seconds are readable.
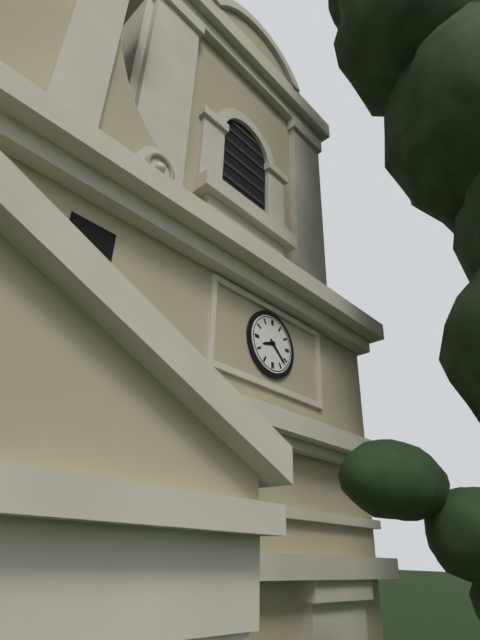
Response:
8.22
